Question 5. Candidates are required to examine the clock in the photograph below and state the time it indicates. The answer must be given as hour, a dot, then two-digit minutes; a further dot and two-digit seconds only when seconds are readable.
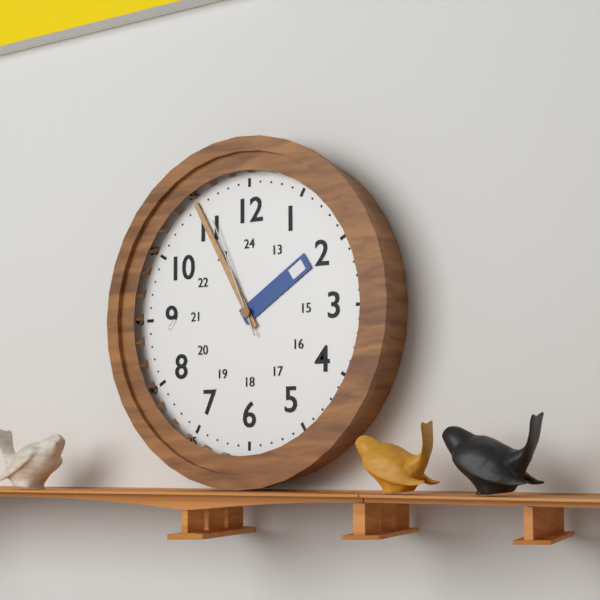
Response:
1.55.56
